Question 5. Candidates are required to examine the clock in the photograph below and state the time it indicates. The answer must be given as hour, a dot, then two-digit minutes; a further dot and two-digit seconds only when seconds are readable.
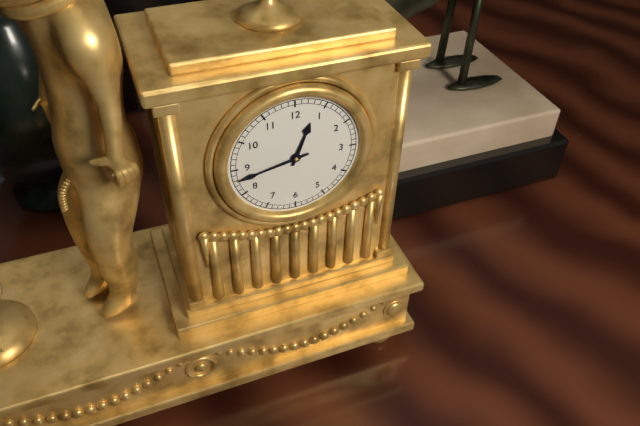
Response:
12.43
